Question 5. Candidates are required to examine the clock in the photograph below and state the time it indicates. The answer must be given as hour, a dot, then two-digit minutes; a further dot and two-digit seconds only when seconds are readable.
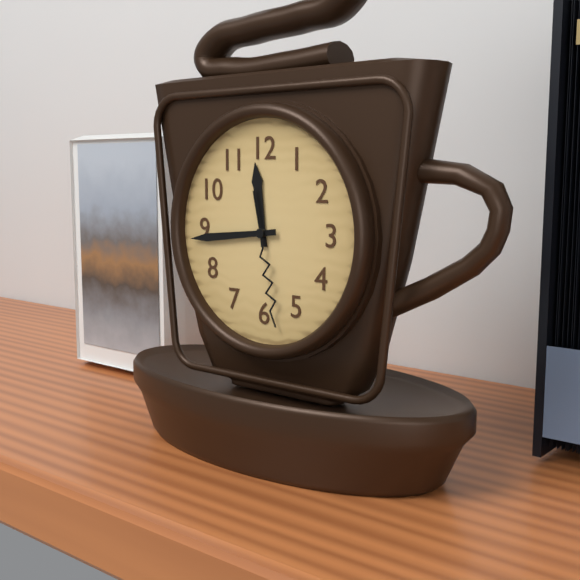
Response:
11.44.28
